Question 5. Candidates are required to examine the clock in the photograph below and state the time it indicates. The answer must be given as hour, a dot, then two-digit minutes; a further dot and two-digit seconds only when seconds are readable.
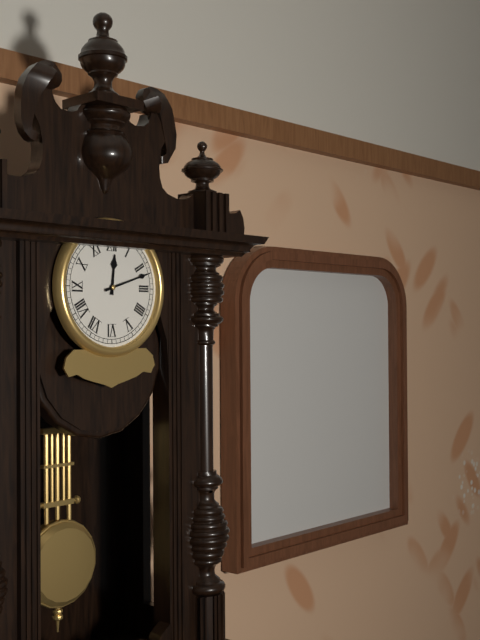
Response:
12.12
